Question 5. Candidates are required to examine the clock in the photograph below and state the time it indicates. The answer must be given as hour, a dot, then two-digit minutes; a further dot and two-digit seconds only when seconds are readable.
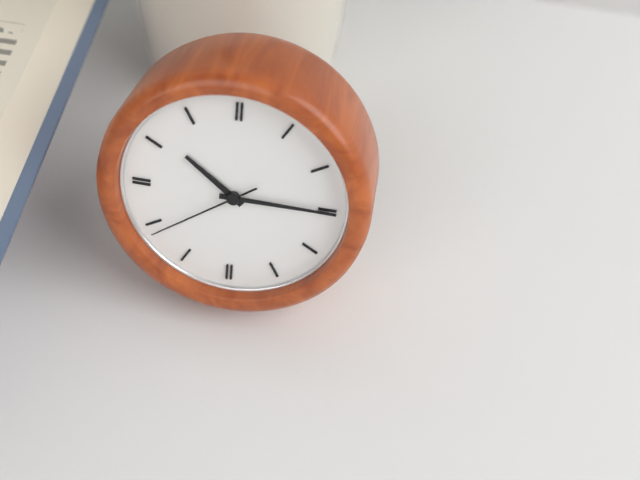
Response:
10.15.39
